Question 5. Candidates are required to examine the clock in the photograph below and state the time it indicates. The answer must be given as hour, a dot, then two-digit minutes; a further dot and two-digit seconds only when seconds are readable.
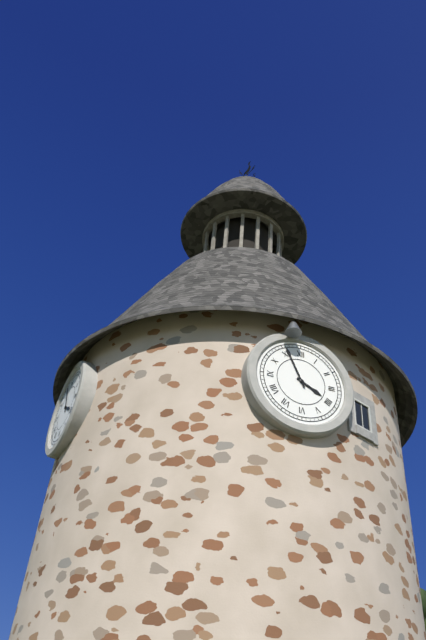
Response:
3.56
